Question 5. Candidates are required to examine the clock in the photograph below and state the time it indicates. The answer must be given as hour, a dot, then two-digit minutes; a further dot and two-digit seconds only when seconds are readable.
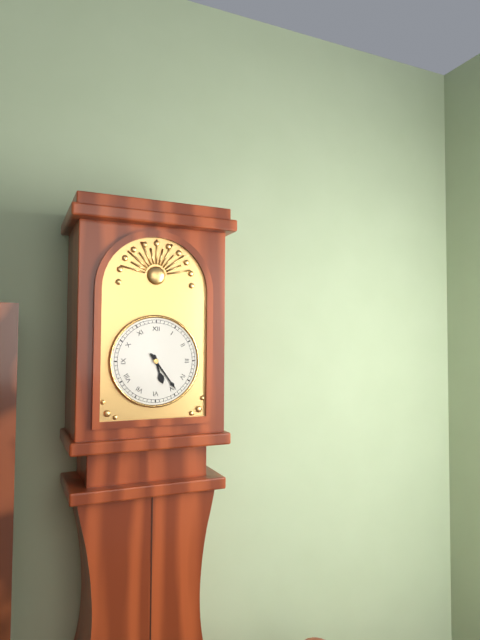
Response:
5.24
